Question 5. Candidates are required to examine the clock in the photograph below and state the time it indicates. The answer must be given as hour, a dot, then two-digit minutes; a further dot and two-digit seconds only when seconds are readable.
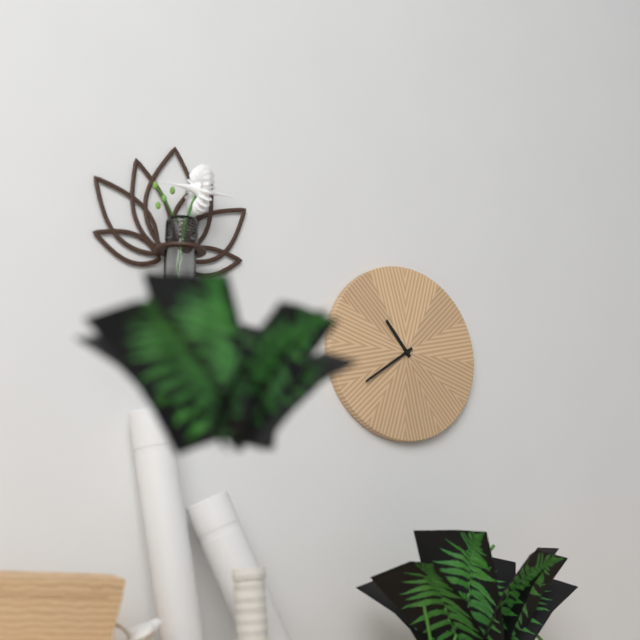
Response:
10.39
